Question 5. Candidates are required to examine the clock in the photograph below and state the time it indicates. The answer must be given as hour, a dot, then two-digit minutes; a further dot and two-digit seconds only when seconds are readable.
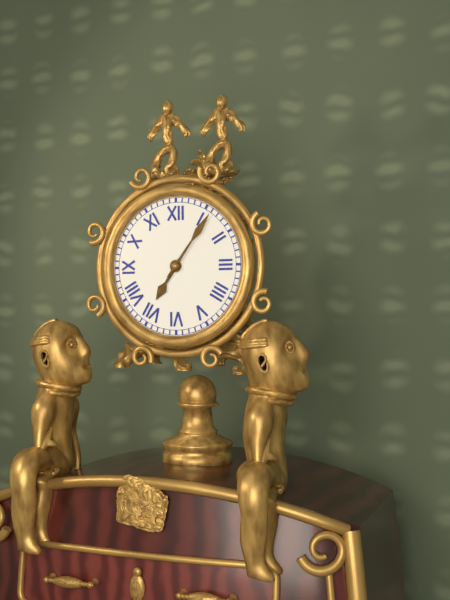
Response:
7.06
